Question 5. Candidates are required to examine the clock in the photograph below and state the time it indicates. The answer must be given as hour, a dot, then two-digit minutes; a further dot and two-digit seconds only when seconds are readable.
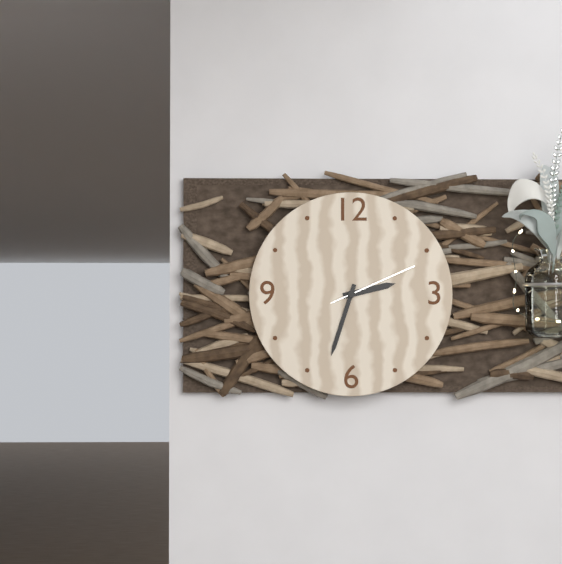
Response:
2.33.11
